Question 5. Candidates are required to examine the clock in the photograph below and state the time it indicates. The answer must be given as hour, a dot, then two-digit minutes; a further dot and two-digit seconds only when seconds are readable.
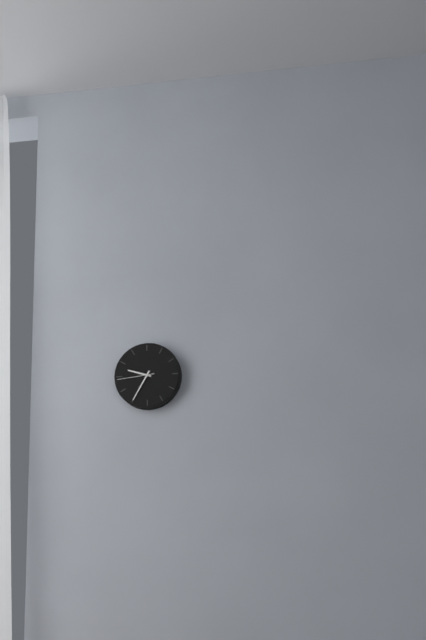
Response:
9.35
